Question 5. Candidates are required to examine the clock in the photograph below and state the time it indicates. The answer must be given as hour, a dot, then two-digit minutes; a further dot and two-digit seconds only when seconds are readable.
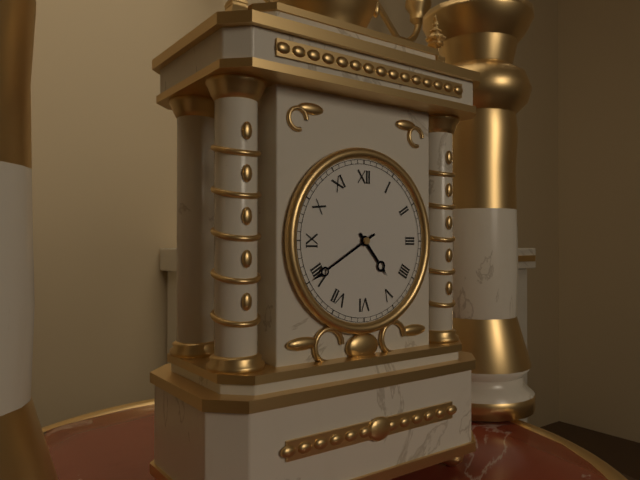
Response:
4.40
